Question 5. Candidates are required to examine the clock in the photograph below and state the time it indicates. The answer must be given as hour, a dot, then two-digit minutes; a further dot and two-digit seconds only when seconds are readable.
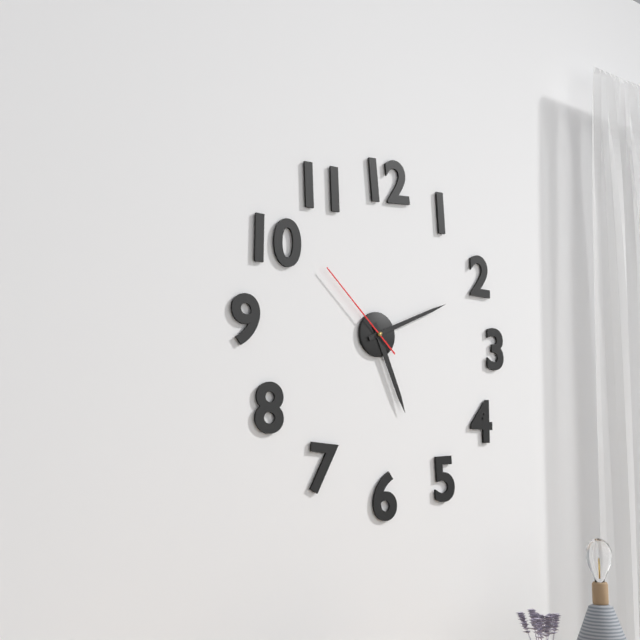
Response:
5.11.52
